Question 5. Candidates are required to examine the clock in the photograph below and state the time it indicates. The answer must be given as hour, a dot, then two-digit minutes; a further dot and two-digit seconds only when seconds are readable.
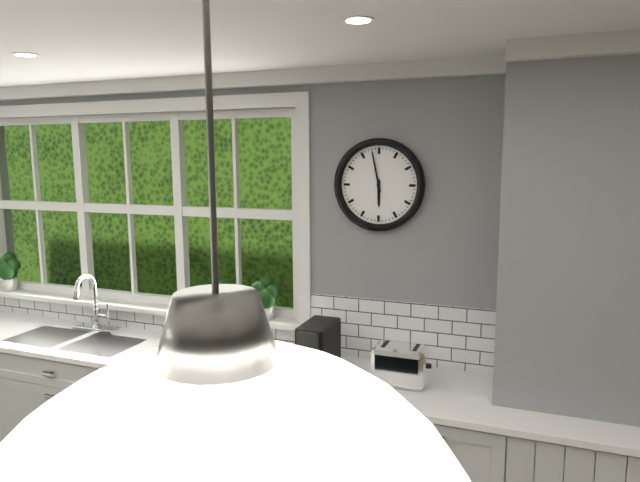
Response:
5.58
